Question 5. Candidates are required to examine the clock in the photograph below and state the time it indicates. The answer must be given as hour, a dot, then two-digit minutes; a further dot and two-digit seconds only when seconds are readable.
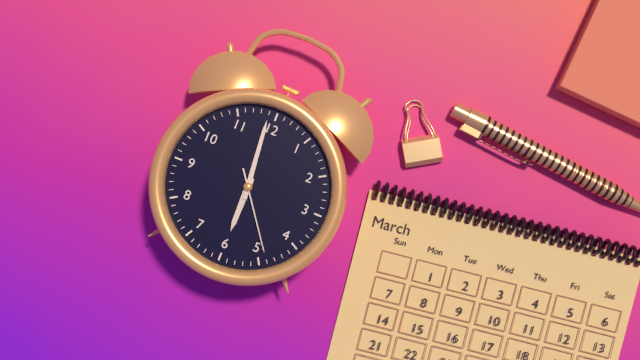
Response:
5.59.24
